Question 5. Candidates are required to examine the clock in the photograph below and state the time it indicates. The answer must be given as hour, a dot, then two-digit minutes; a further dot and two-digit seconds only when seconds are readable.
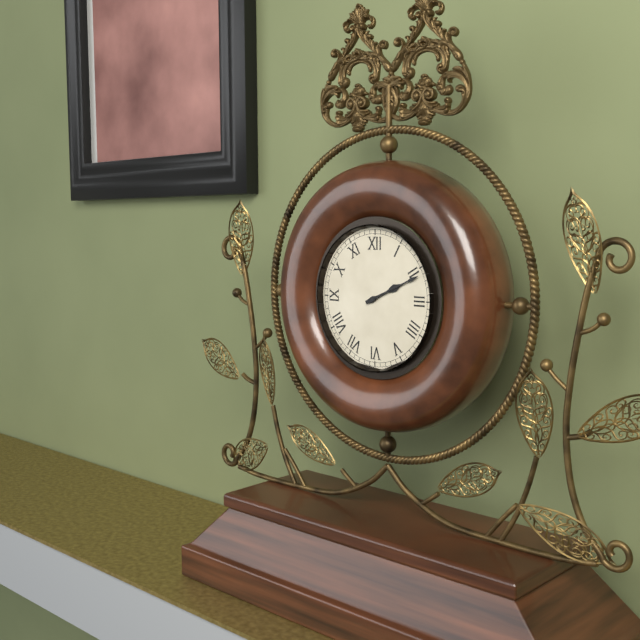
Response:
2.11
